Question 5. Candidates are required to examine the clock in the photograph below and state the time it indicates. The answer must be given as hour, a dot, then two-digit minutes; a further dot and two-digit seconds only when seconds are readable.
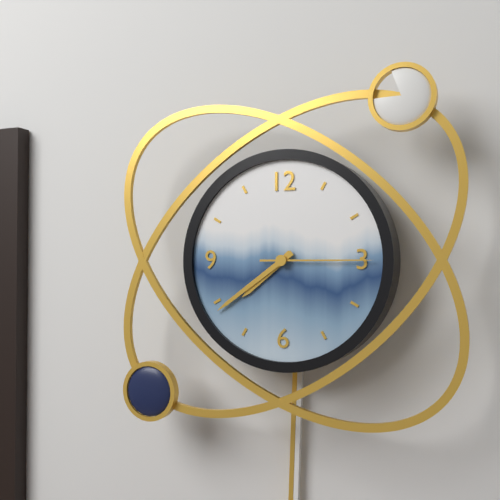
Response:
7.39.15
